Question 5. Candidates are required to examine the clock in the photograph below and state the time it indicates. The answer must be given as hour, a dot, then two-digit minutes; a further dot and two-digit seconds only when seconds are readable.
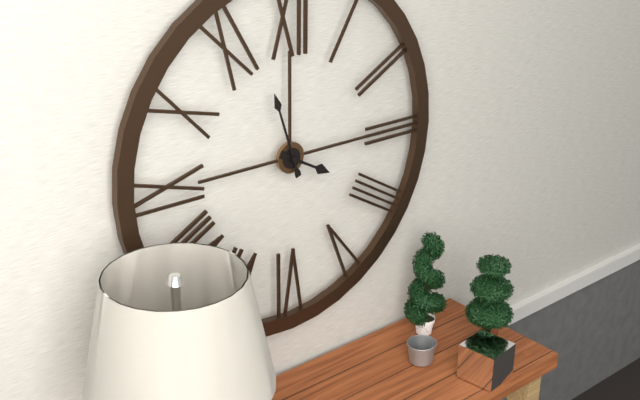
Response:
3.57
